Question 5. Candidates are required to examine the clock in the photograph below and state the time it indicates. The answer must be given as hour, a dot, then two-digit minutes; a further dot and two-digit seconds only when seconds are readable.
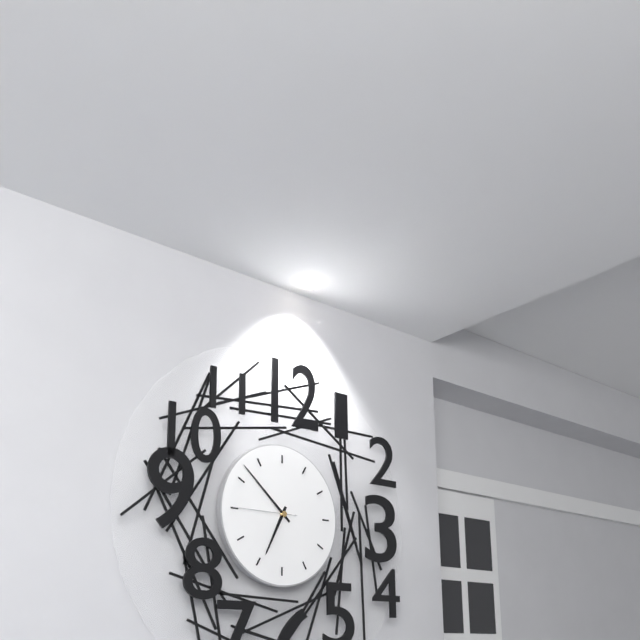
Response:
6.52.45
